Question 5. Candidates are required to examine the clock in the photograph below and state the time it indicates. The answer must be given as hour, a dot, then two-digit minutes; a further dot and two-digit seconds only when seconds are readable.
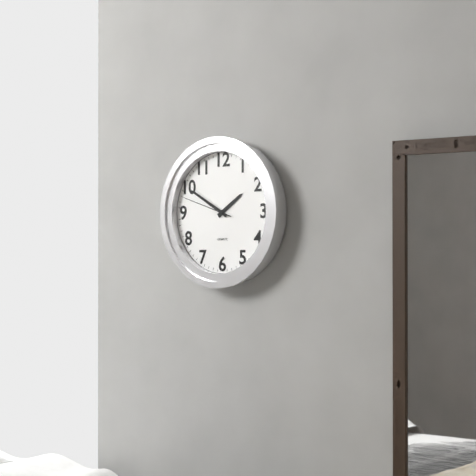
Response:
1.50.48
